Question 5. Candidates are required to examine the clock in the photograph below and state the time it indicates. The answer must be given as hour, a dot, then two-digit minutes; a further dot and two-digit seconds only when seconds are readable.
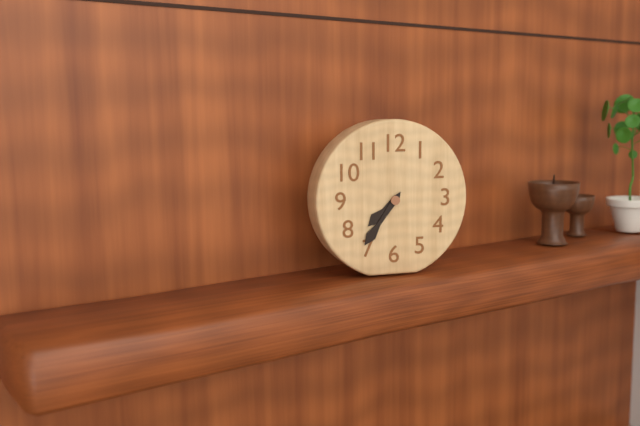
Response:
7.36
